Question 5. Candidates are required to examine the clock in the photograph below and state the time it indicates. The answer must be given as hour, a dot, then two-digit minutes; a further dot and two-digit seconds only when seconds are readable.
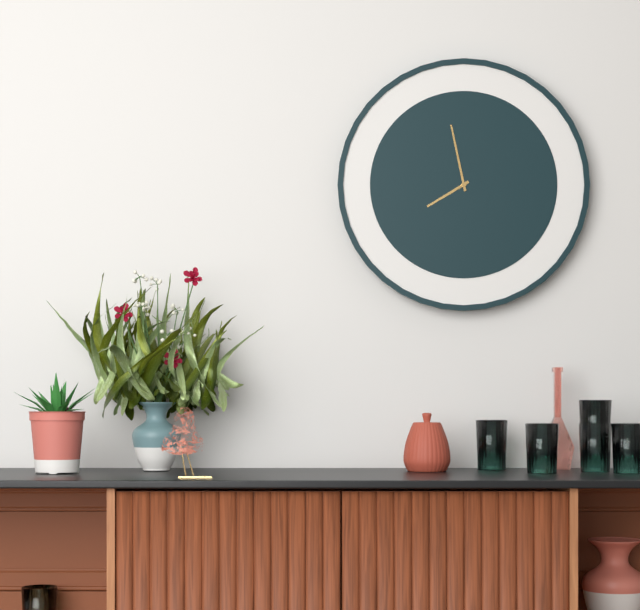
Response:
7.58
